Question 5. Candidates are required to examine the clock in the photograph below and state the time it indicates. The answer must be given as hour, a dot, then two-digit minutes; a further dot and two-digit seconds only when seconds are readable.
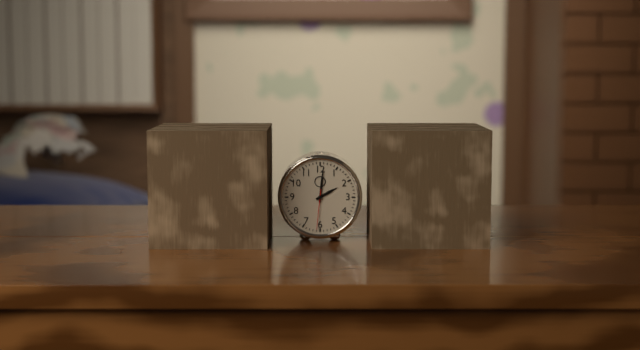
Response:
2.01
